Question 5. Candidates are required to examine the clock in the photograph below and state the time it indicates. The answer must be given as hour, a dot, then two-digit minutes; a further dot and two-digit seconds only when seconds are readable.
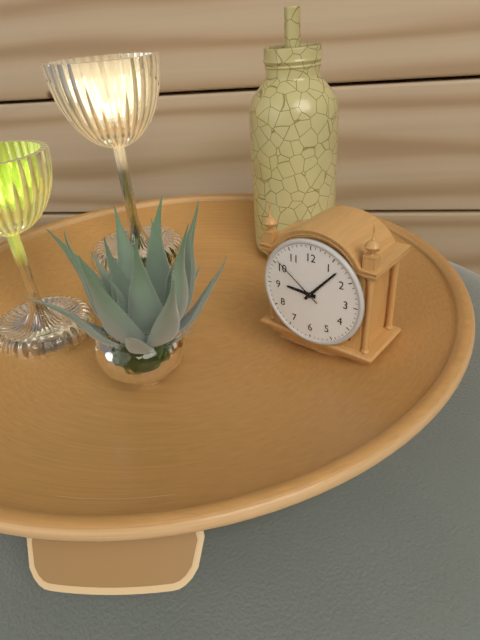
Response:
9.07.51
